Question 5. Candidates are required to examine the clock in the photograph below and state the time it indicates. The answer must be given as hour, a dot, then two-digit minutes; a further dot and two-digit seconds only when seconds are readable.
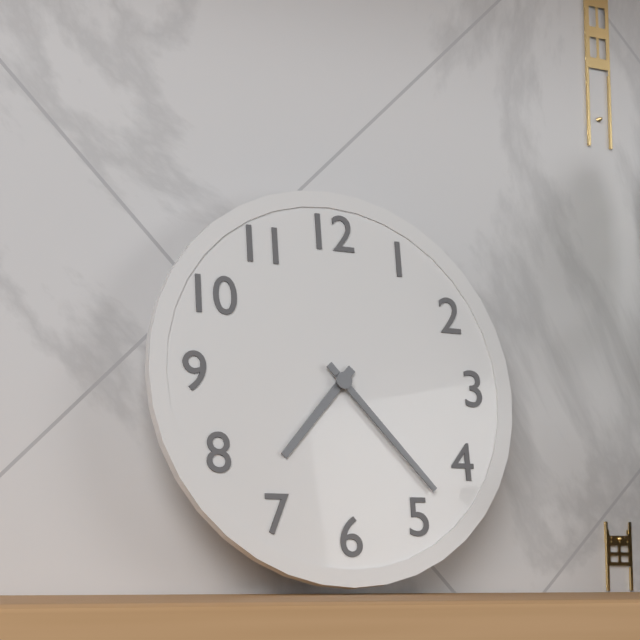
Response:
7.23
